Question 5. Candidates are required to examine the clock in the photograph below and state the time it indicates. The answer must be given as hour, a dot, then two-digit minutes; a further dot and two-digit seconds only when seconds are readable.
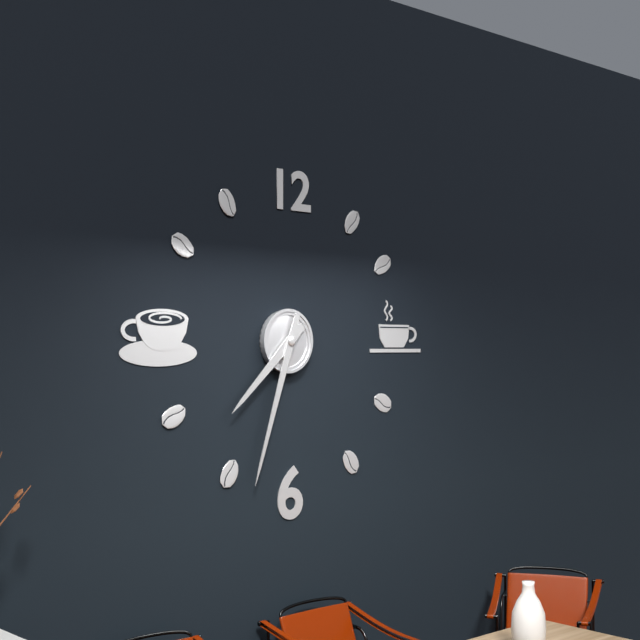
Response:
7.33
